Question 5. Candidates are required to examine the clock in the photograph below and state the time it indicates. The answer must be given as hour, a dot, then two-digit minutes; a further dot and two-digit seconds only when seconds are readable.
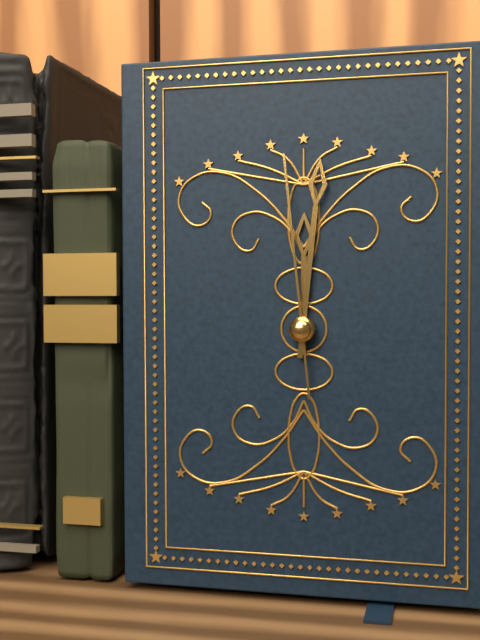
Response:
12.01.59
